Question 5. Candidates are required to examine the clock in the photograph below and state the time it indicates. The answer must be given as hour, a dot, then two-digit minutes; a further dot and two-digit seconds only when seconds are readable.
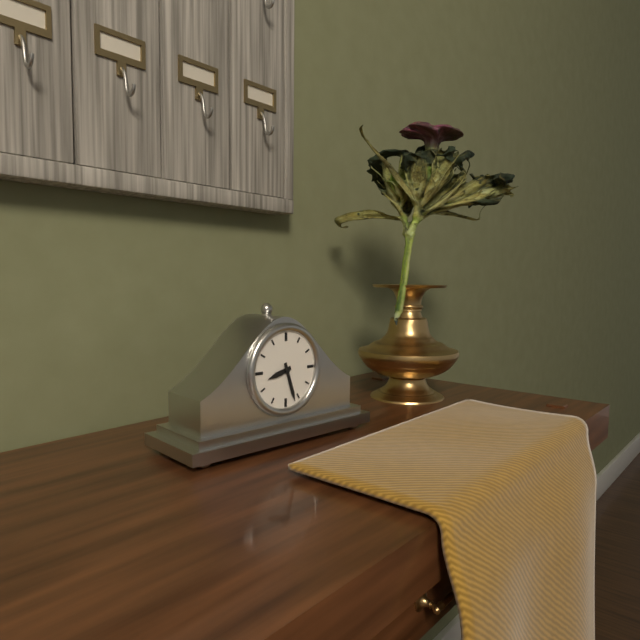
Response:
8.27
